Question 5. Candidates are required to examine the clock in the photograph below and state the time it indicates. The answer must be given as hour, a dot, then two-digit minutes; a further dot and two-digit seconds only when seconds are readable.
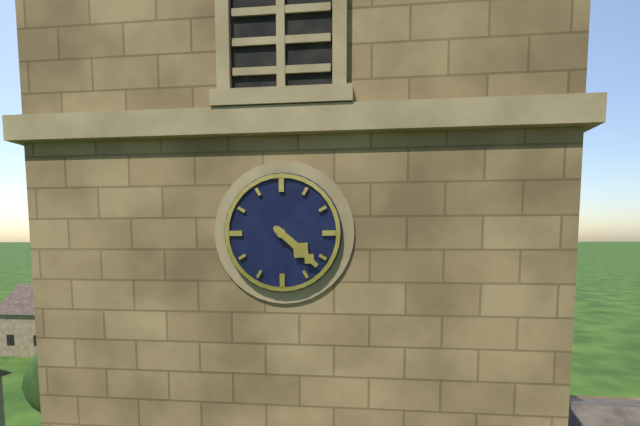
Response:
4.22
